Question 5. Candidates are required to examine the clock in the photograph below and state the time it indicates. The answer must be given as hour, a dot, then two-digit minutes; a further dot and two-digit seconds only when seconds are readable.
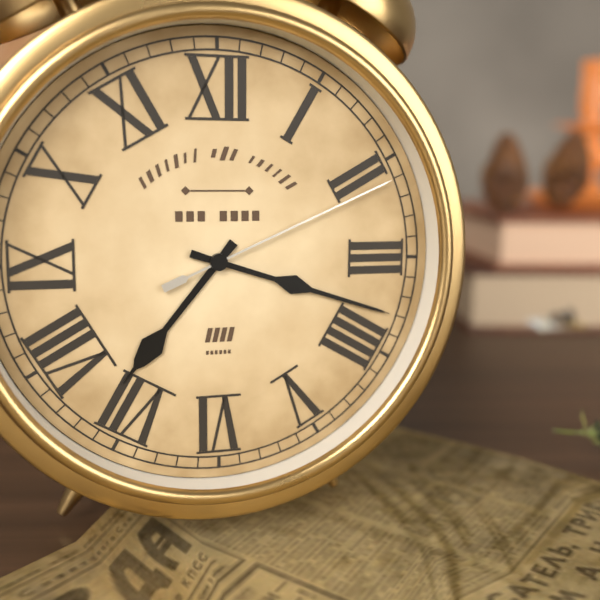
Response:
7.18.11
